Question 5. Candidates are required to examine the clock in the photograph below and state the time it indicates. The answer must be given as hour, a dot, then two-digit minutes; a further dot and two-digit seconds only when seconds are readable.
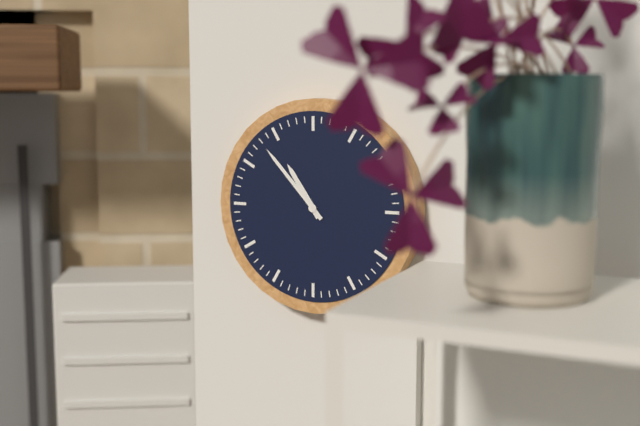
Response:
10.53
